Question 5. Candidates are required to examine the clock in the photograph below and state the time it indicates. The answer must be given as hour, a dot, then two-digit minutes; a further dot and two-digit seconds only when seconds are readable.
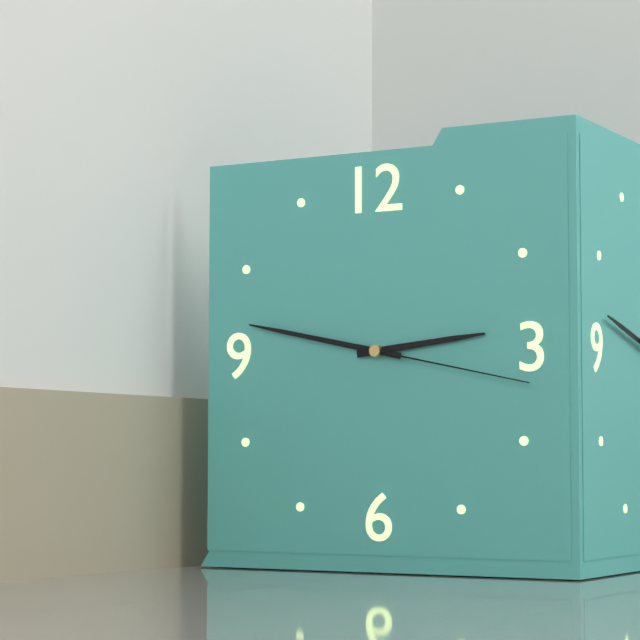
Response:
2.47.17
